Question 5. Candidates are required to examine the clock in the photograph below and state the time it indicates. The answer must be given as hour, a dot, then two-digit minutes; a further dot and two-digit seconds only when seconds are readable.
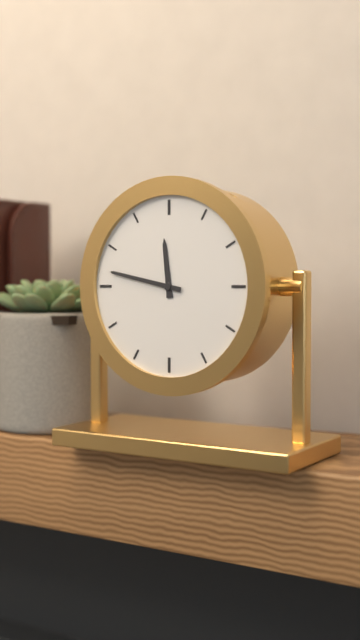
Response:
11.47
